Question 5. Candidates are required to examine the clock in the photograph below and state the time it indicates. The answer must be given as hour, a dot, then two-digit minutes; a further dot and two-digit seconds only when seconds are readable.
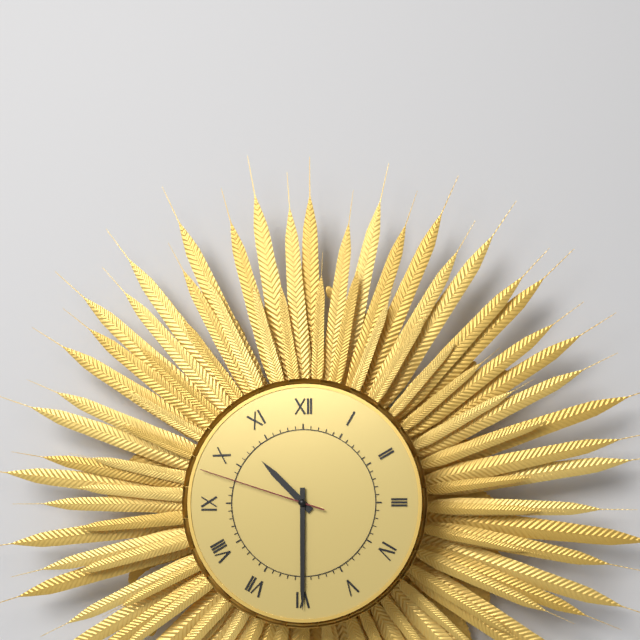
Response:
10.30.48
